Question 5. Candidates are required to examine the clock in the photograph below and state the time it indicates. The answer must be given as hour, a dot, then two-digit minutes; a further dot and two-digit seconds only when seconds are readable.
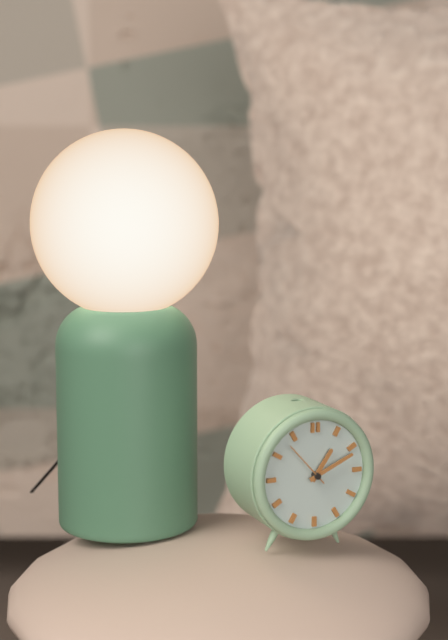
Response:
1.11
